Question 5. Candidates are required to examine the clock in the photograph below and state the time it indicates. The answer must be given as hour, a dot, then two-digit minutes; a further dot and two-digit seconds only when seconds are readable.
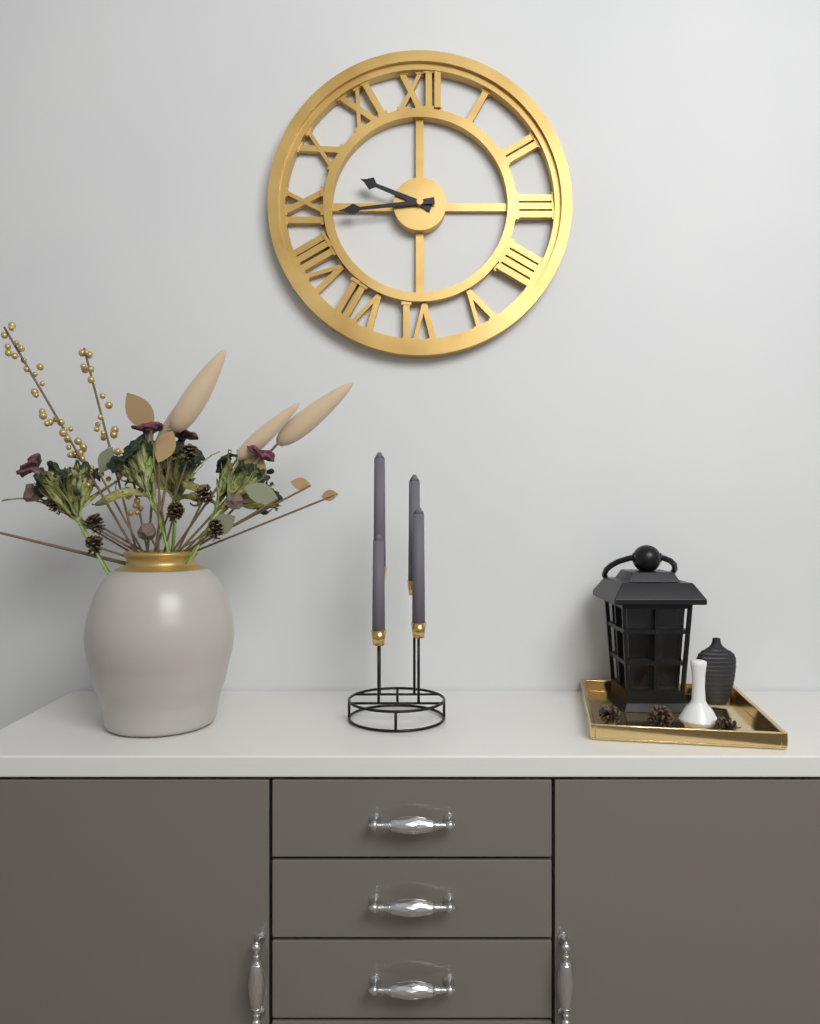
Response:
9.44
